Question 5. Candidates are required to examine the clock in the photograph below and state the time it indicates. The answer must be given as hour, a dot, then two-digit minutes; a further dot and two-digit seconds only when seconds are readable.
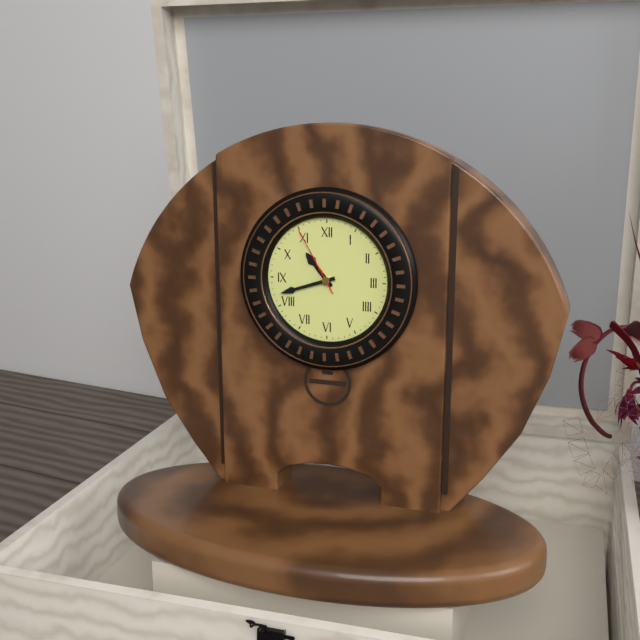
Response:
10.42.55
